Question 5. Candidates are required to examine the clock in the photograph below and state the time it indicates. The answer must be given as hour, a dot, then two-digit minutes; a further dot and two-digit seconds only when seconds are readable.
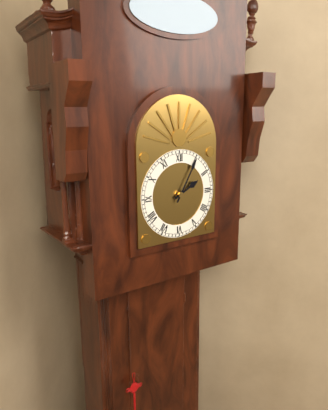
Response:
2.05
